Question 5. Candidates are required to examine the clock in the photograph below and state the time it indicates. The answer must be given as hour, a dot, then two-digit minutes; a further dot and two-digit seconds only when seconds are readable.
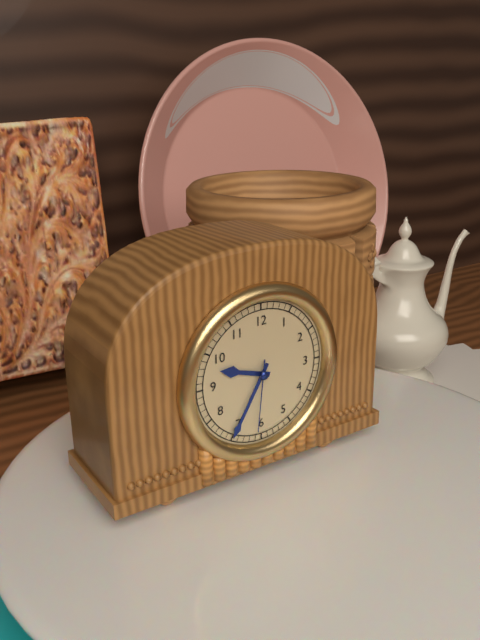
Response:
9.35.31
